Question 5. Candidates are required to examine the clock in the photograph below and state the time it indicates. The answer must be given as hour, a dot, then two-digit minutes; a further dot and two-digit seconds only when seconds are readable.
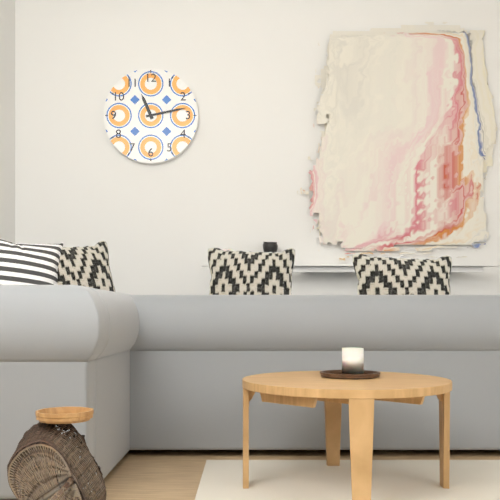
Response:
11.13
